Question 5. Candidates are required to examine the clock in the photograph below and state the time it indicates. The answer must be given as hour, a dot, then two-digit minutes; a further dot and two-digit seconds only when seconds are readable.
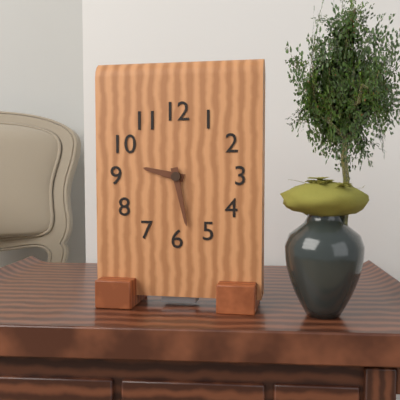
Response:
9.28
